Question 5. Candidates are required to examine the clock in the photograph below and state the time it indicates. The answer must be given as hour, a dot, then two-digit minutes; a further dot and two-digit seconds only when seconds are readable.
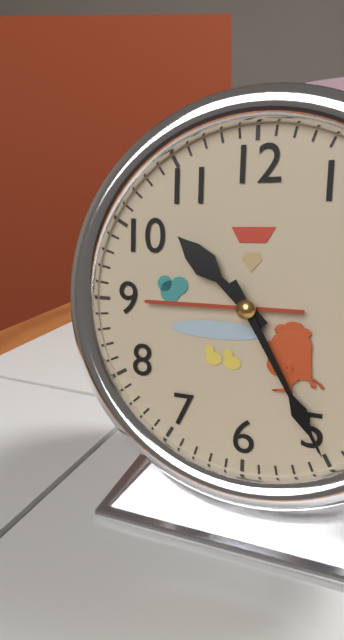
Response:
10.25
